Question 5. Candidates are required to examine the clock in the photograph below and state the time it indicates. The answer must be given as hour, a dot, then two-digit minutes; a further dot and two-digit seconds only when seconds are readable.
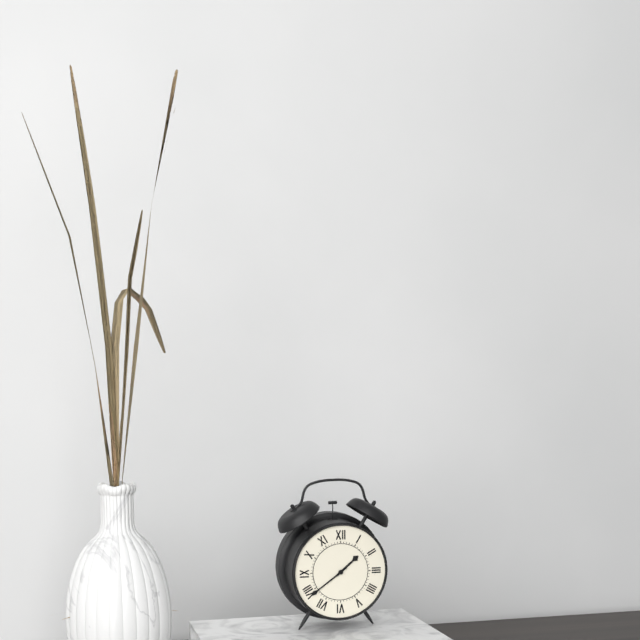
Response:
1.39
